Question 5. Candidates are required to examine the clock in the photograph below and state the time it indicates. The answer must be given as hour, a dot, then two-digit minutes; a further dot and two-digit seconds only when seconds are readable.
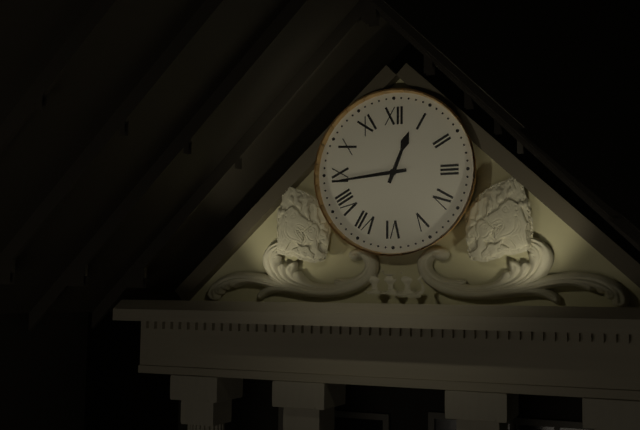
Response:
12.44
